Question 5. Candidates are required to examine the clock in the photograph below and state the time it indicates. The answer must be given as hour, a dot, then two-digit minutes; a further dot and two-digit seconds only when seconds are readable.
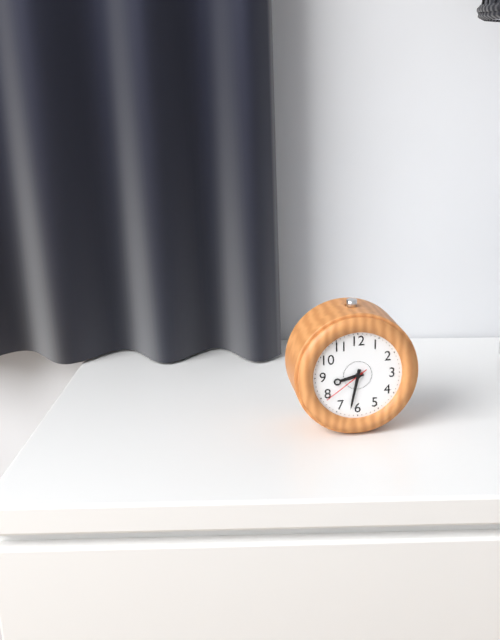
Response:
8.32.39
